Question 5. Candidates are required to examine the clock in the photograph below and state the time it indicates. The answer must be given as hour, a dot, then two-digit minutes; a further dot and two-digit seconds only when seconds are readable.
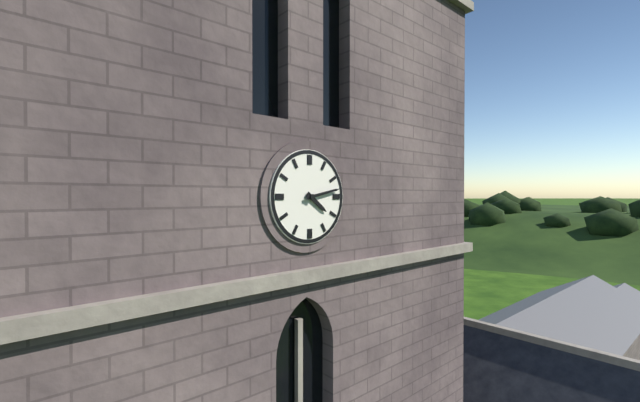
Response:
4.13
